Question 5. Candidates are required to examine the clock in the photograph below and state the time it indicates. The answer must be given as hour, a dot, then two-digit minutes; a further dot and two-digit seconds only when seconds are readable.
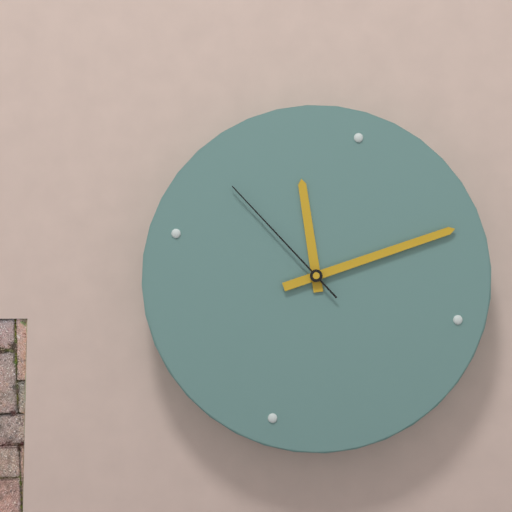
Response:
11.09.50
